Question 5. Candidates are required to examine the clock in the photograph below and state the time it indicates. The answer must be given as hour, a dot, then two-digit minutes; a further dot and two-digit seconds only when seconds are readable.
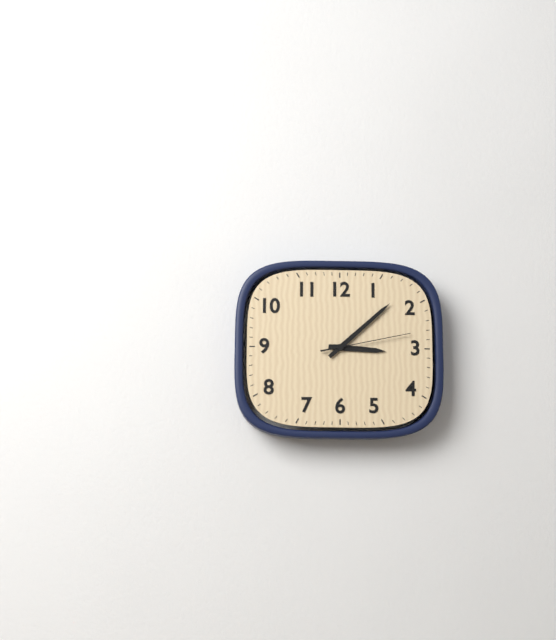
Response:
3.08.13
